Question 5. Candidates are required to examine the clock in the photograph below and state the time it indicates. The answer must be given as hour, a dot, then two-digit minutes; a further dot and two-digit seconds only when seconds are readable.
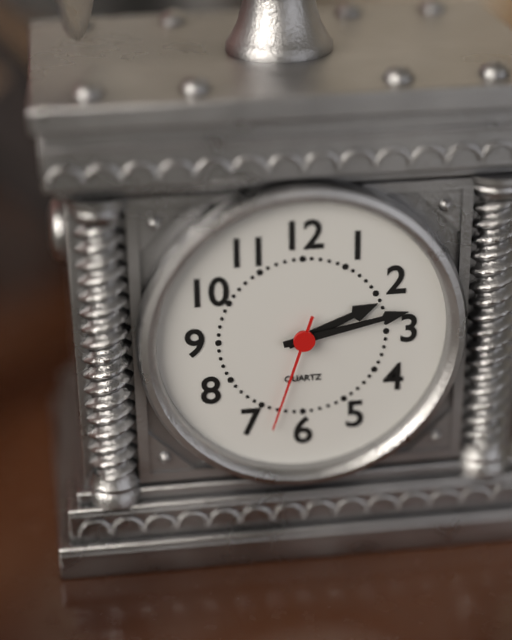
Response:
2.13.33
